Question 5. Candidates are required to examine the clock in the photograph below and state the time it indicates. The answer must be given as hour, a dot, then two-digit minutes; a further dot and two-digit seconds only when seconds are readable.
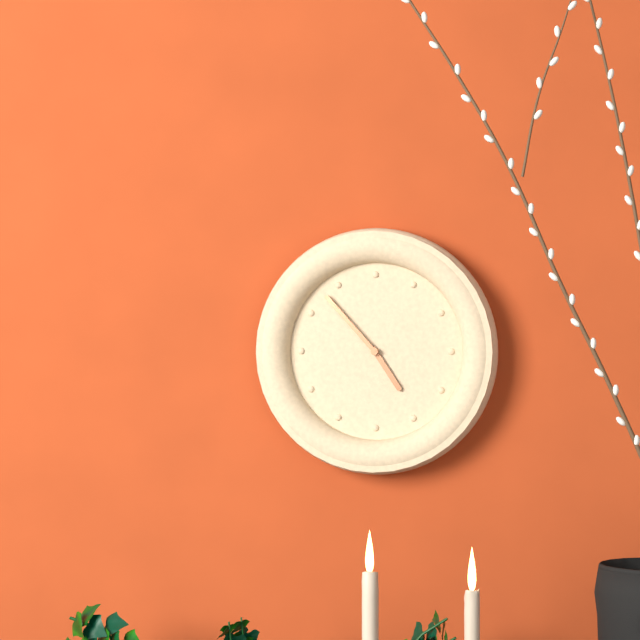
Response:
4.53
